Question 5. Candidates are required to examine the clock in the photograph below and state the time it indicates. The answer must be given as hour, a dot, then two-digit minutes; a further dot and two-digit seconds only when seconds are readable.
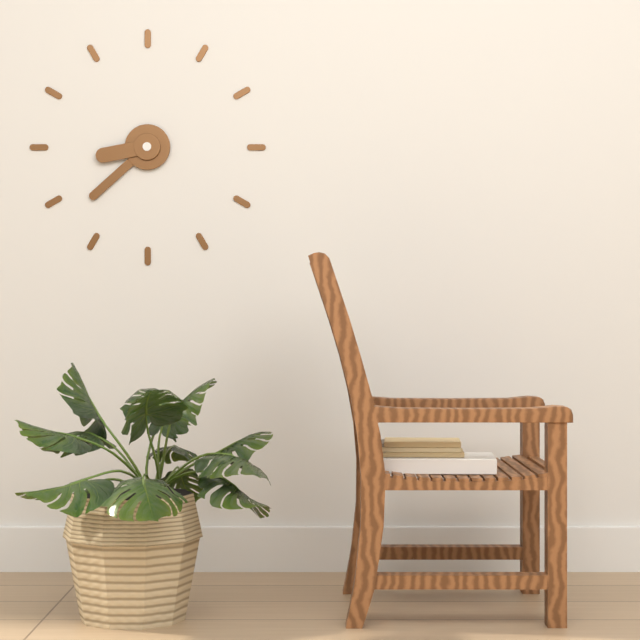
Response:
8.38
